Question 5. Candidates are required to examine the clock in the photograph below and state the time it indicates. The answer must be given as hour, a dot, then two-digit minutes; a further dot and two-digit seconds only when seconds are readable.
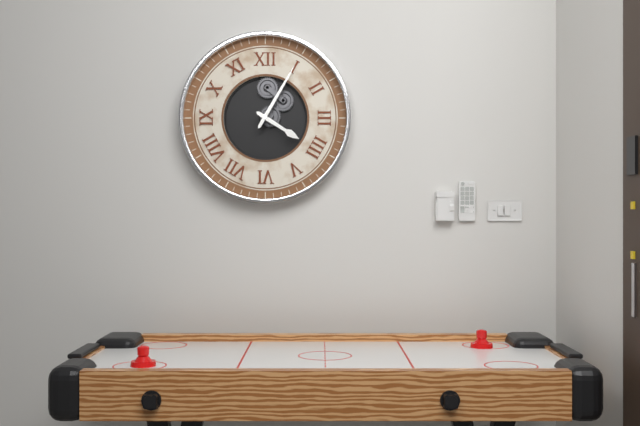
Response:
4.05
